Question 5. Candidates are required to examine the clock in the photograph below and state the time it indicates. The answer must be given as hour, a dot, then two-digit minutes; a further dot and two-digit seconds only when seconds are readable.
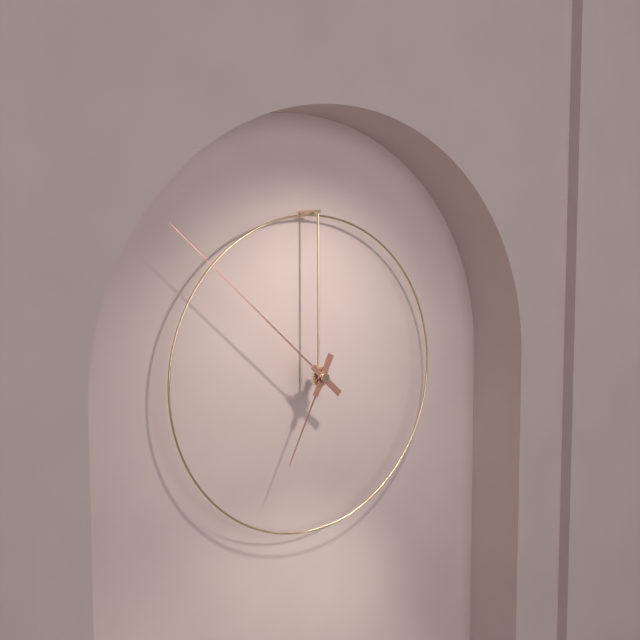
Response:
6.52
